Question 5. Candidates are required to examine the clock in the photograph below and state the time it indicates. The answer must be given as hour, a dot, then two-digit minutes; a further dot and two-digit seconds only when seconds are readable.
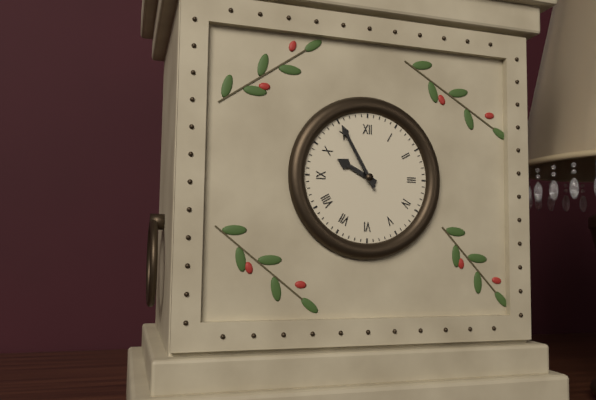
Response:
9.55
